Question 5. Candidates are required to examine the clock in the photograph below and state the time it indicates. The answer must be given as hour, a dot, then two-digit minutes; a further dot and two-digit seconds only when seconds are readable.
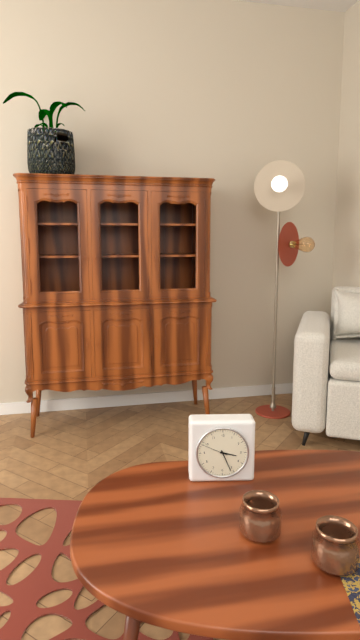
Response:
3.26
